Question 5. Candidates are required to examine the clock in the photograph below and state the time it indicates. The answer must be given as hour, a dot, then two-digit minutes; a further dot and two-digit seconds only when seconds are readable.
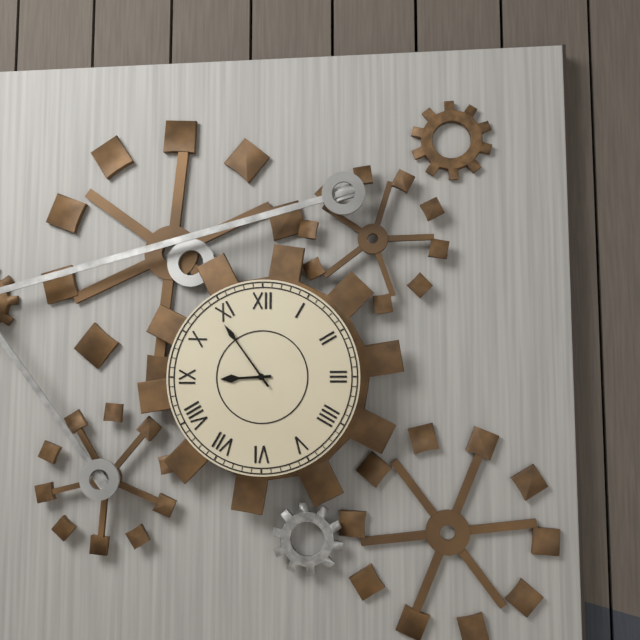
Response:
8.54
